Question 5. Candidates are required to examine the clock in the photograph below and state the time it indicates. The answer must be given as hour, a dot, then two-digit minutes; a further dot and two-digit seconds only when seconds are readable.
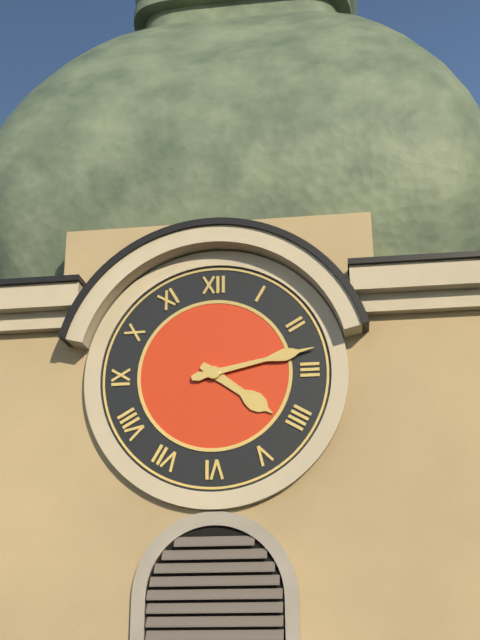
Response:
4.13
